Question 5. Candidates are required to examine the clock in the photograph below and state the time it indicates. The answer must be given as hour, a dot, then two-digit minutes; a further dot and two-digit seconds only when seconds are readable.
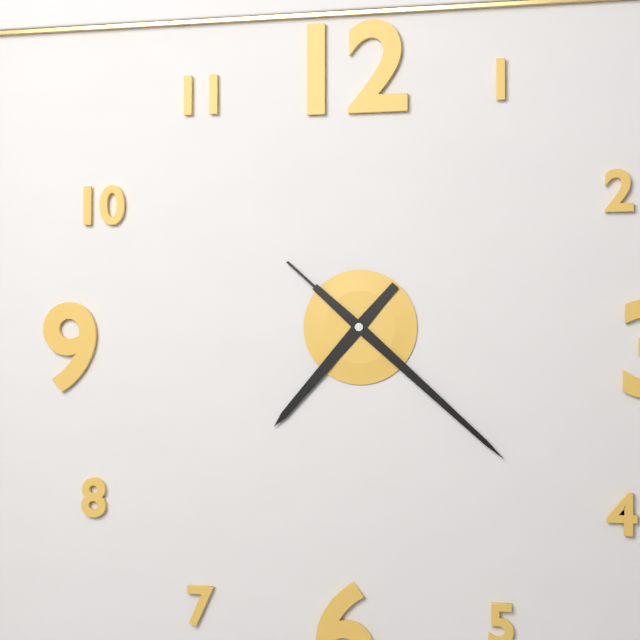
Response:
7.22.22
